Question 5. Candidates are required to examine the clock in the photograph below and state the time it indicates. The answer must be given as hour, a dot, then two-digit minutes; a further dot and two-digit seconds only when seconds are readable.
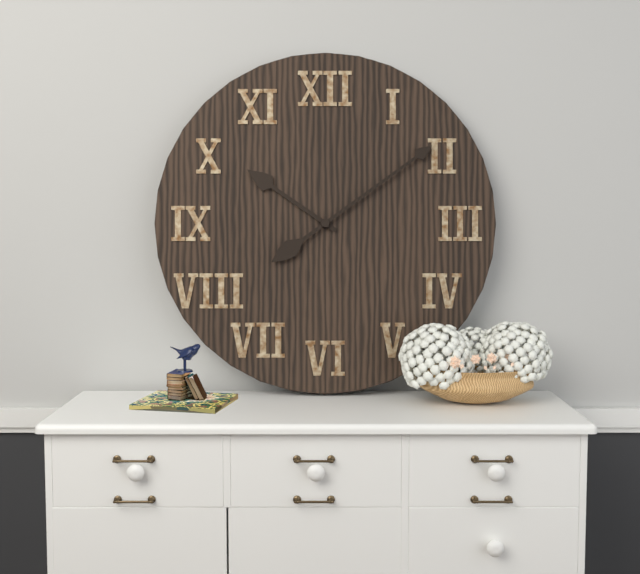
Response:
10.09
